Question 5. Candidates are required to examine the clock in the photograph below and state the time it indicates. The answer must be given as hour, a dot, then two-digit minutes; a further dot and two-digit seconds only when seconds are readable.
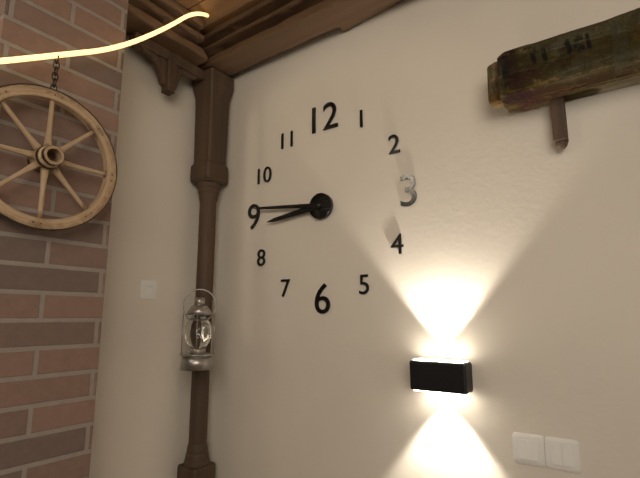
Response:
8.46
